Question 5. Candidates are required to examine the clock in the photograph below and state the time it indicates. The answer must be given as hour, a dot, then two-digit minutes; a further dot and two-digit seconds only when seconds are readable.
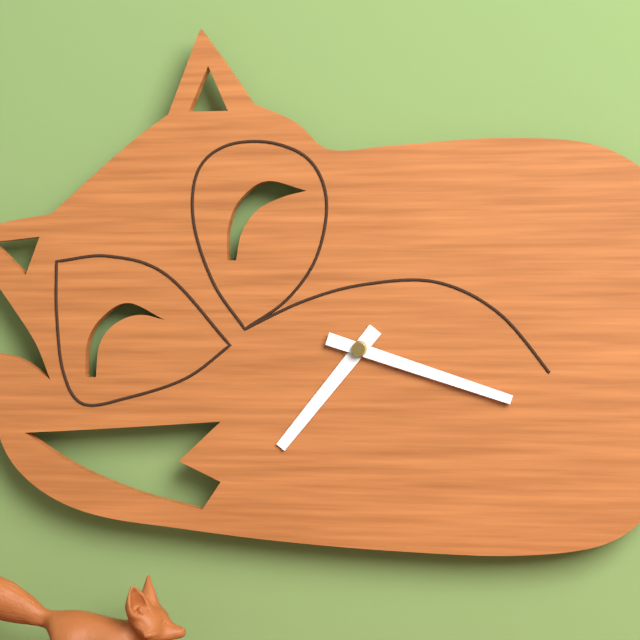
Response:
7.18
